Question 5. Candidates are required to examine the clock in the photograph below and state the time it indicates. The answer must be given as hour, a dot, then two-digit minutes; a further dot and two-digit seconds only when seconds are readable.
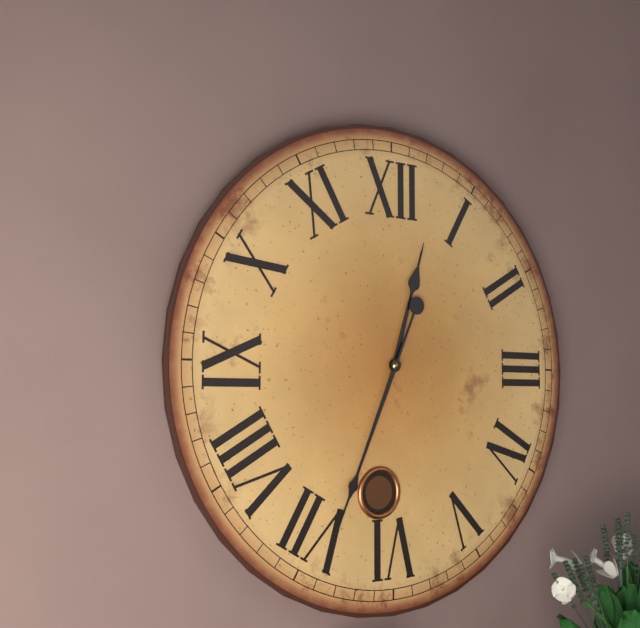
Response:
12.34
